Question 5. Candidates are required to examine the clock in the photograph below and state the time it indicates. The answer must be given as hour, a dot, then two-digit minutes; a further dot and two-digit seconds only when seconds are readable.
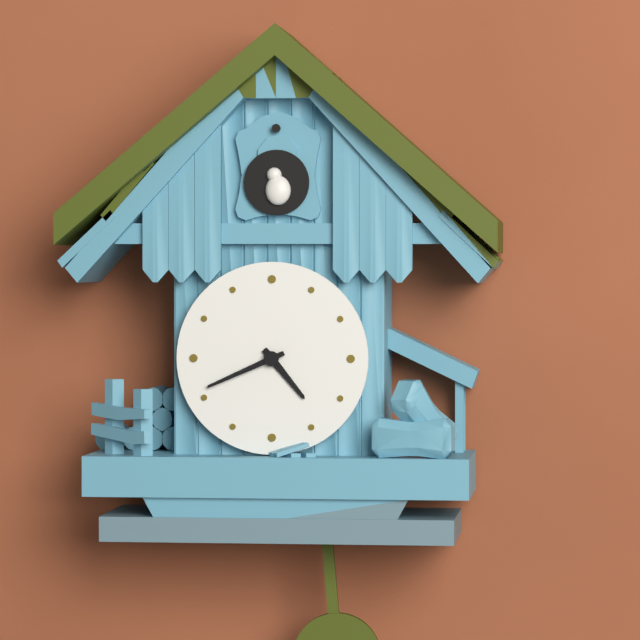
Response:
4.41
